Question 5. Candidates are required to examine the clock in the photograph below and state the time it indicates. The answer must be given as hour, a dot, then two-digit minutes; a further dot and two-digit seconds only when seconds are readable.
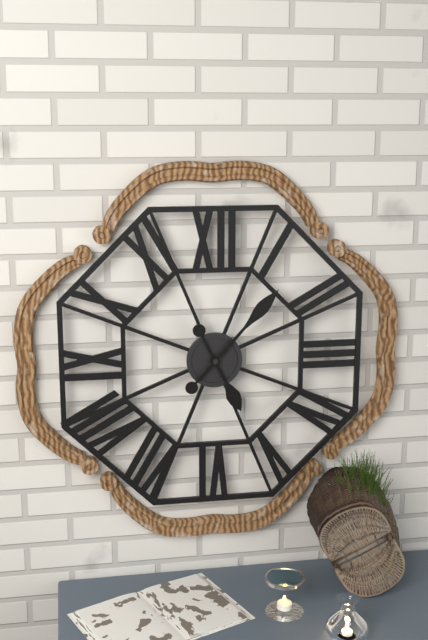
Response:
5.07
